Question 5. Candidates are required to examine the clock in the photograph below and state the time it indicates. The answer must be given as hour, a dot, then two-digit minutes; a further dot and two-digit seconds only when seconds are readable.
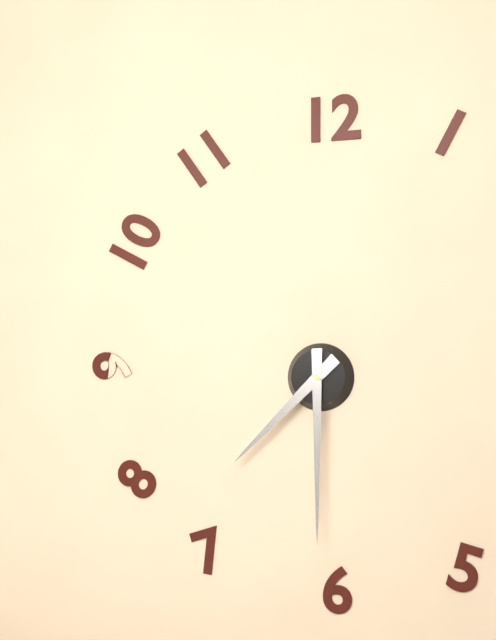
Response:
7.30
